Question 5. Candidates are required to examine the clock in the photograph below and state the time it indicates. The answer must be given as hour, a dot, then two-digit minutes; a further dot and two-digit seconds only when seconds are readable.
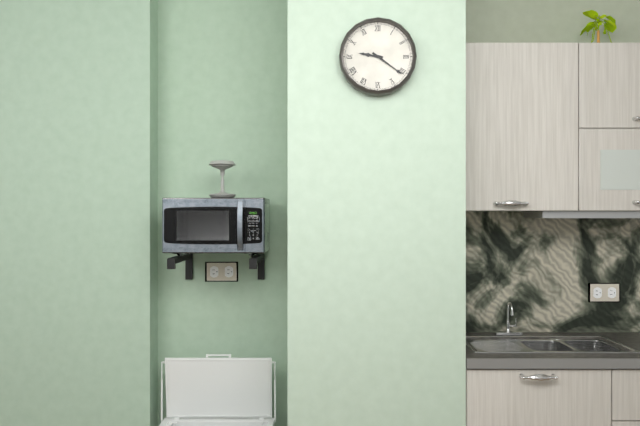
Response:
9.21
